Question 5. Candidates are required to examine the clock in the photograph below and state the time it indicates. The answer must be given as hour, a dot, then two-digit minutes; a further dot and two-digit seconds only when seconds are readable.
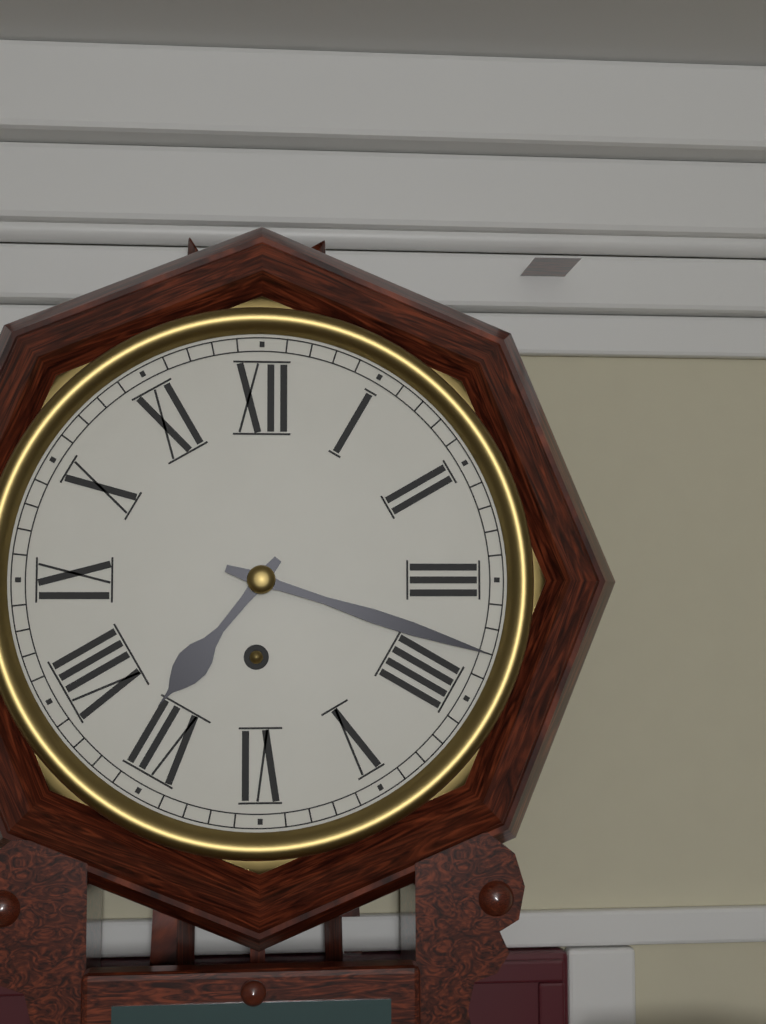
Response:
7.18
